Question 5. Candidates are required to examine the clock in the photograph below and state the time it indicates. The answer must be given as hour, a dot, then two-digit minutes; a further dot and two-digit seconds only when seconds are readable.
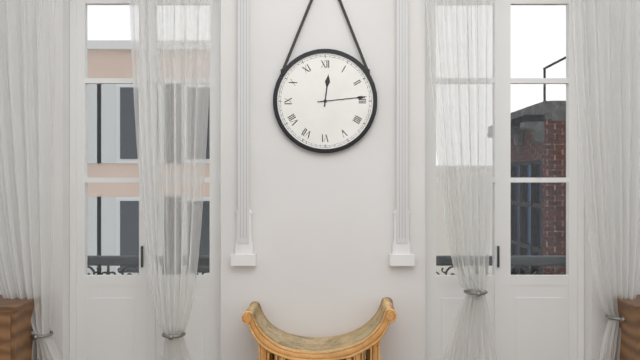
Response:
12.14
